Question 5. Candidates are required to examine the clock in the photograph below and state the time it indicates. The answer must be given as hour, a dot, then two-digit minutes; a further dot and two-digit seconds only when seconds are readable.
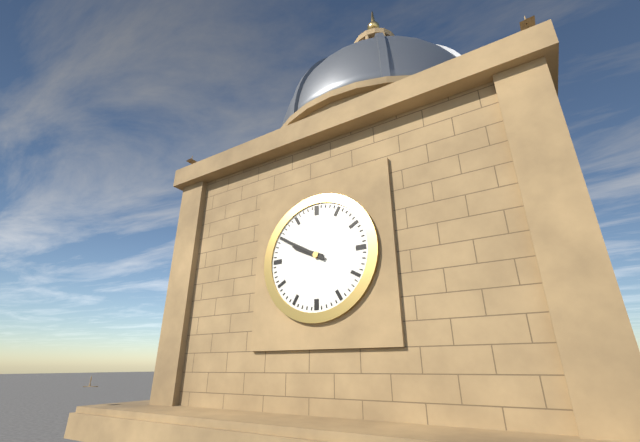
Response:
9.50
